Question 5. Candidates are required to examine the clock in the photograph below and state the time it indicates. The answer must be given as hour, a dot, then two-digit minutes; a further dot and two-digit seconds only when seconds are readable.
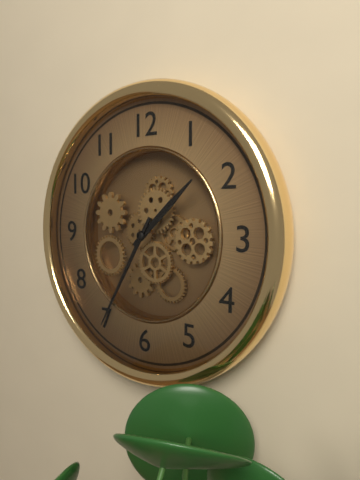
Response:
1.35
